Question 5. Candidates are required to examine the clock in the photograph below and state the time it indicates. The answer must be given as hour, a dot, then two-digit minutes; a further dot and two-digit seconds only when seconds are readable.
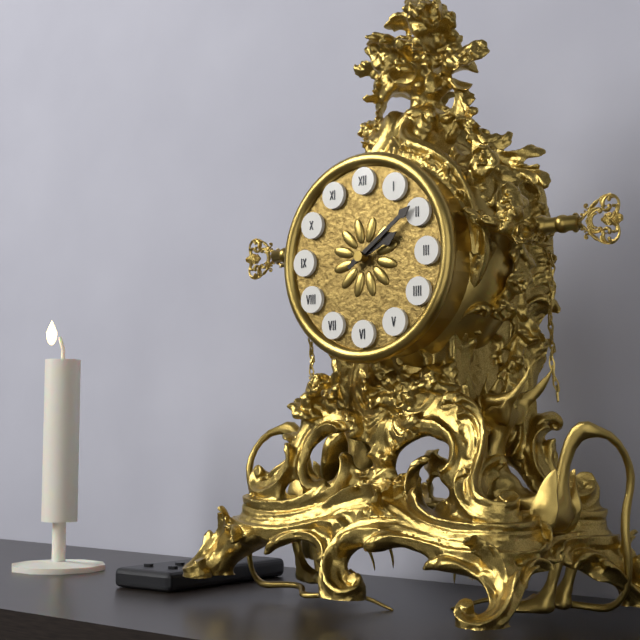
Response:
2.09
